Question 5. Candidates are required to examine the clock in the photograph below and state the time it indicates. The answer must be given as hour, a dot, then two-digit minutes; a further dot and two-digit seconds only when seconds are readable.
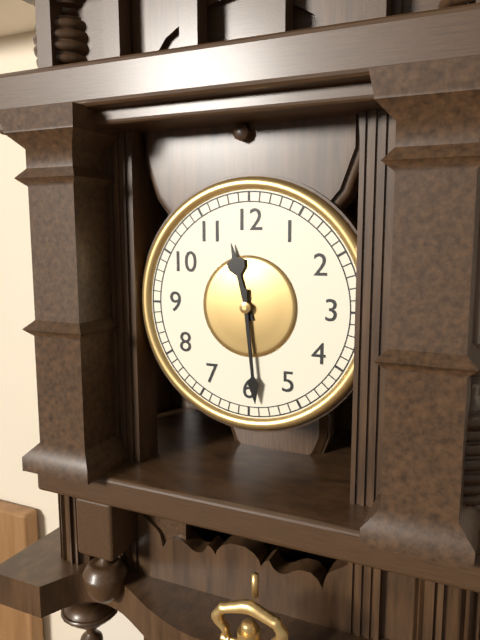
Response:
11.29
